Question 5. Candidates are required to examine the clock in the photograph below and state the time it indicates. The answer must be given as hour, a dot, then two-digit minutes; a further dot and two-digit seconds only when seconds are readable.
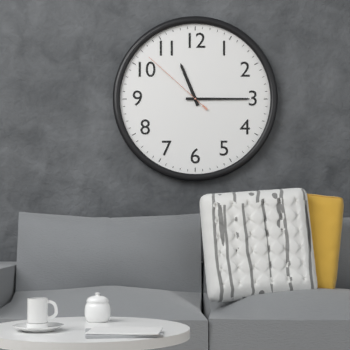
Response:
11.15.52
